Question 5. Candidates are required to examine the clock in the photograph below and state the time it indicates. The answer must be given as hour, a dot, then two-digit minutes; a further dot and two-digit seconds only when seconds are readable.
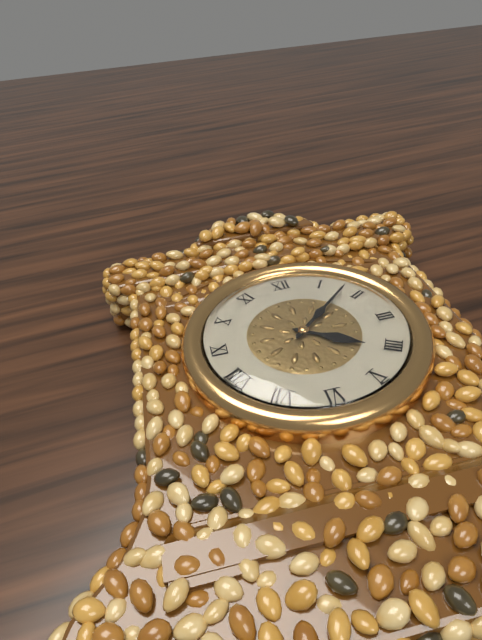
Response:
4.08
